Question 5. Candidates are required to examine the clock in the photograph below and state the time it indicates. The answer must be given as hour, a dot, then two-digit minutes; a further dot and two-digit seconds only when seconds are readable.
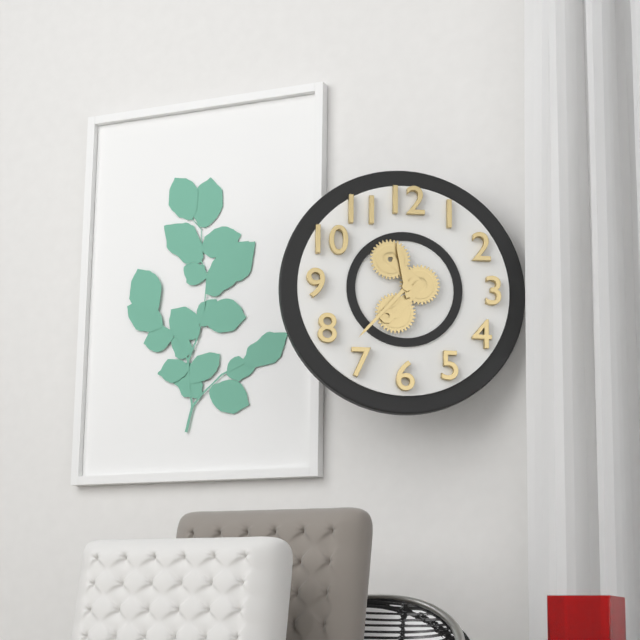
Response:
11.37
